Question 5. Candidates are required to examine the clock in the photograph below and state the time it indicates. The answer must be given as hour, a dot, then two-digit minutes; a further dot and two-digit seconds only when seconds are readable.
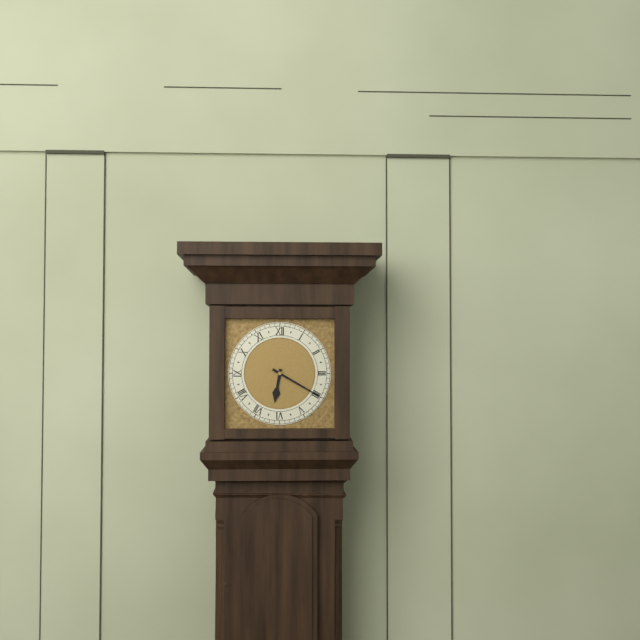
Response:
6.20
